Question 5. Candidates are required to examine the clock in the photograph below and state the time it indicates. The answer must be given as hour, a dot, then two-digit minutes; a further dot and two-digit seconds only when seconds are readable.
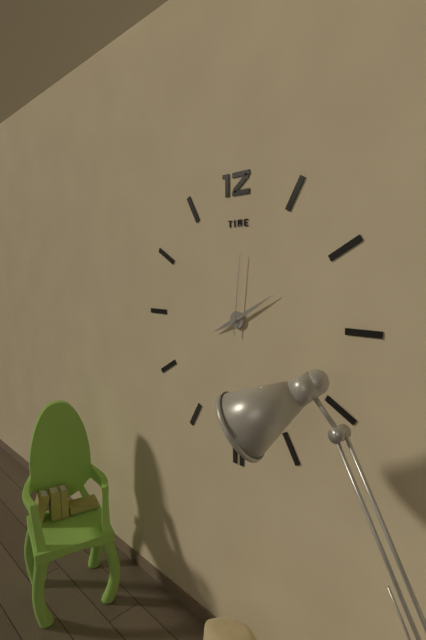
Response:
8.10.01
